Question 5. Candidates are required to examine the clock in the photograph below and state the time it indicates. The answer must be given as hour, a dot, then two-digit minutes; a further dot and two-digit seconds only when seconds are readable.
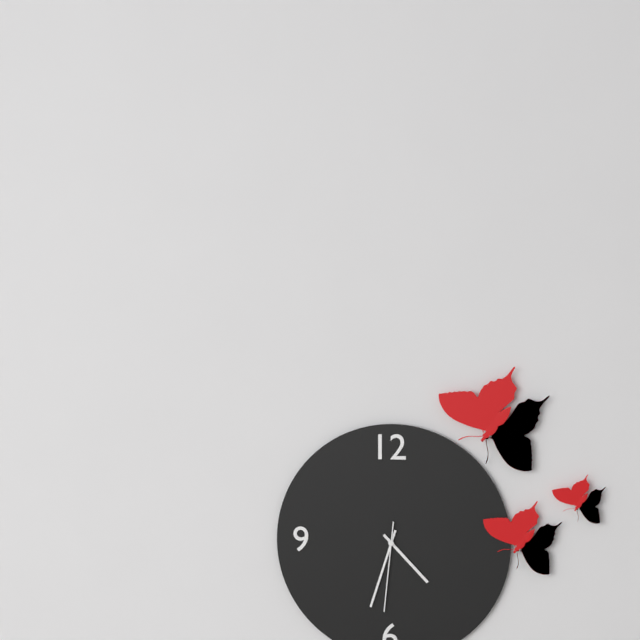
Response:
4.33.31
